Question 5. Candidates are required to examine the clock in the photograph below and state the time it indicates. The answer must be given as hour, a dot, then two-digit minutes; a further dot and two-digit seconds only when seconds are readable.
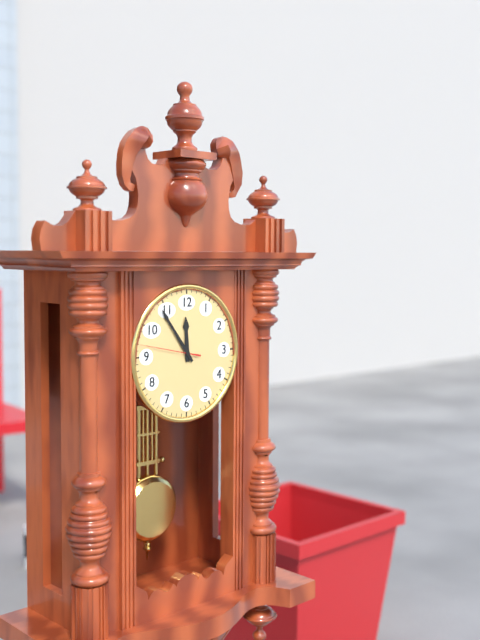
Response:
11.54.47
